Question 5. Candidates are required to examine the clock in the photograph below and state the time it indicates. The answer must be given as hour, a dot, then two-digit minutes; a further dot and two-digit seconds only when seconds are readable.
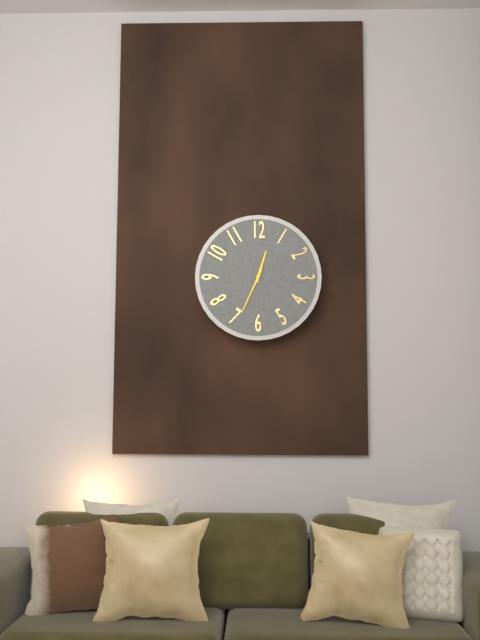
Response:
12.34
